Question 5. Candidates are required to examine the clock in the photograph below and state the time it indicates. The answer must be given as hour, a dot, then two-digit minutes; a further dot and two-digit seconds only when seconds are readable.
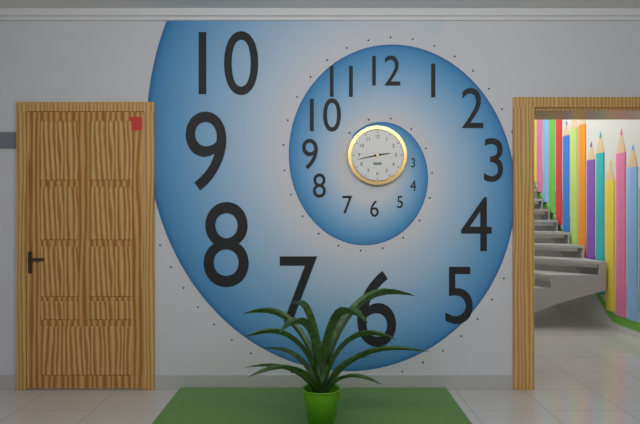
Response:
2.43
